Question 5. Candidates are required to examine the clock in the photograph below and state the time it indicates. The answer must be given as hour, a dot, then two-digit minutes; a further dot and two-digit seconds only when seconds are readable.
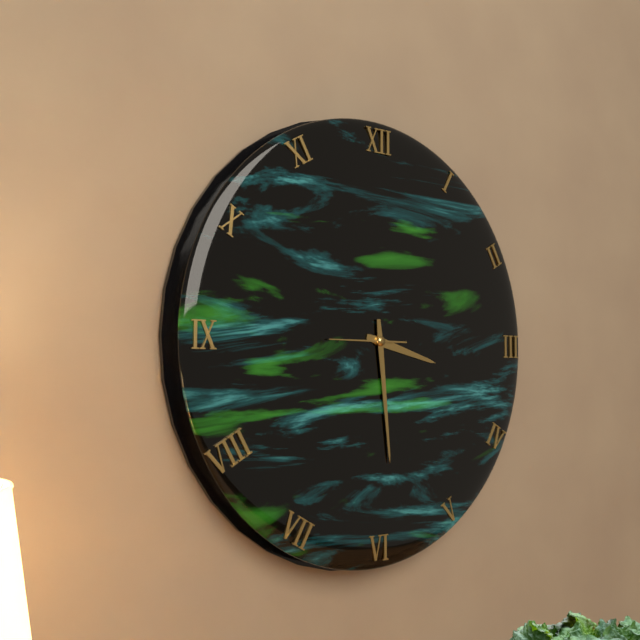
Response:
3.29.45
